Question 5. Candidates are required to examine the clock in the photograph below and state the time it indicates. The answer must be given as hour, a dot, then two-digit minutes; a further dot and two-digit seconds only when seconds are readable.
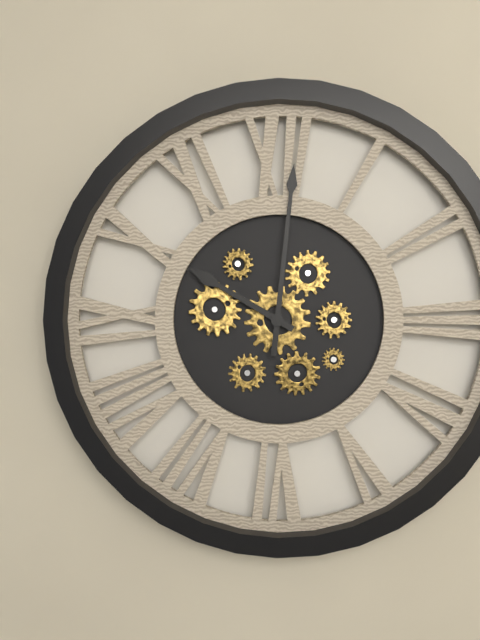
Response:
10.01
